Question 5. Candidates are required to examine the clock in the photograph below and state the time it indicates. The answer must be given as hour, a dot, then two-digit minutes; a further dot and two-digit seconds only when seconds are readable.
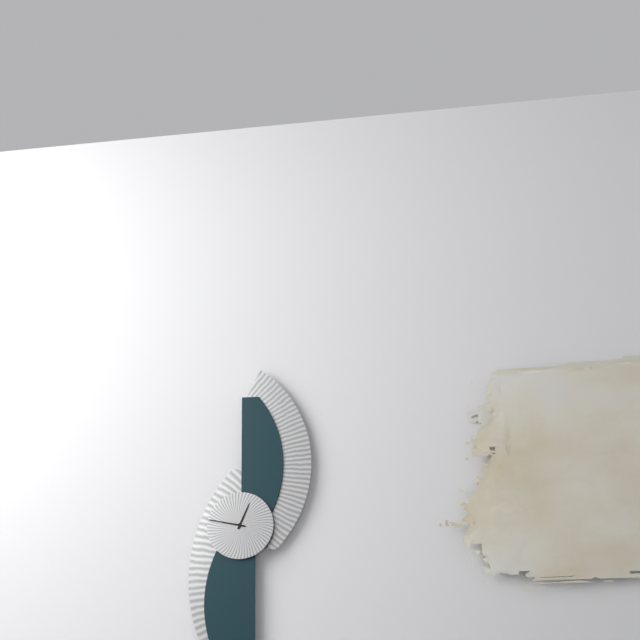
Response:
12.47
